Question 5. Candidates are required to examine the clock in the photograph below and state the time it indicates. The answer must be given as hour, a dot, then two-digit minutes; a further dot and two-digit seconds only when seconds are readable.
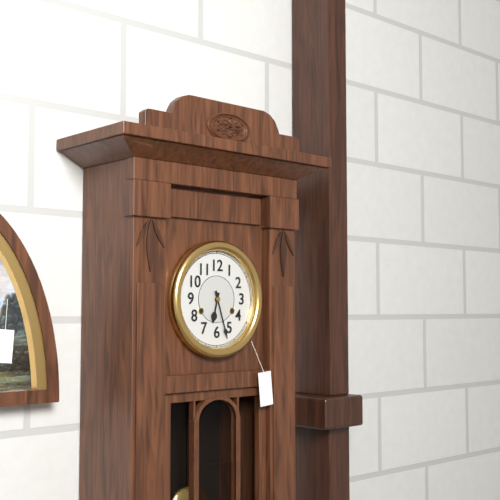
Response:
6.27
